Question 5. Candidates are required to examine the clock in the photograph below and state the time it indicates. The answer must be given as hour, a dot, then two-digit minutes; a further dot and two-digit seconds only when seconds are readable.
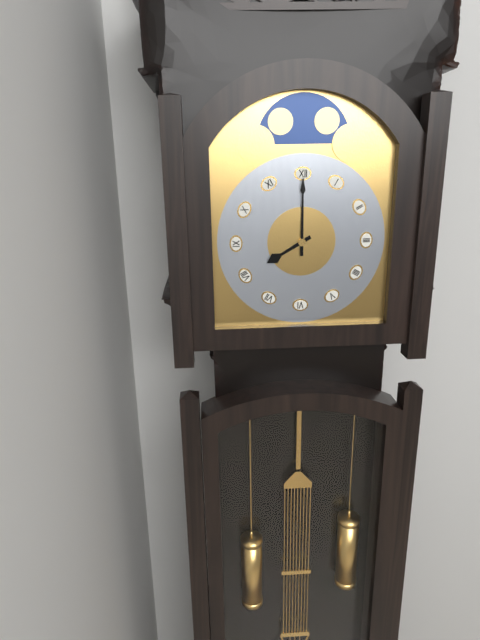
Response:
8.00
